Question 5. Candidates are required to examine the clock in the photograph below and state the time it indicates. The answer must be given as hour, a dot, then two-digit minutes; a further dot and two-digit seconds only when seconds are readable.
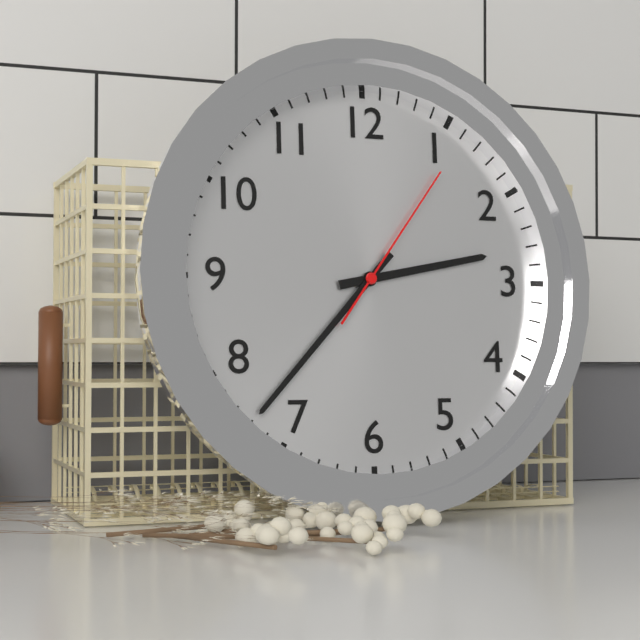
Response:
2.37.06
